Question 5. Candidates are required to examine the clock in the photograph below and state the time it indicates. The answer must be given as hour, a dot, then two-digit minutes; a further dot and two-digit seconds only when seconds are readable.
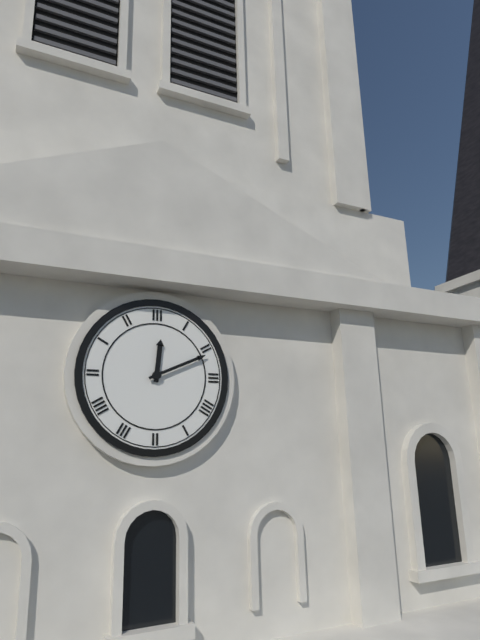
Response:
12.11
